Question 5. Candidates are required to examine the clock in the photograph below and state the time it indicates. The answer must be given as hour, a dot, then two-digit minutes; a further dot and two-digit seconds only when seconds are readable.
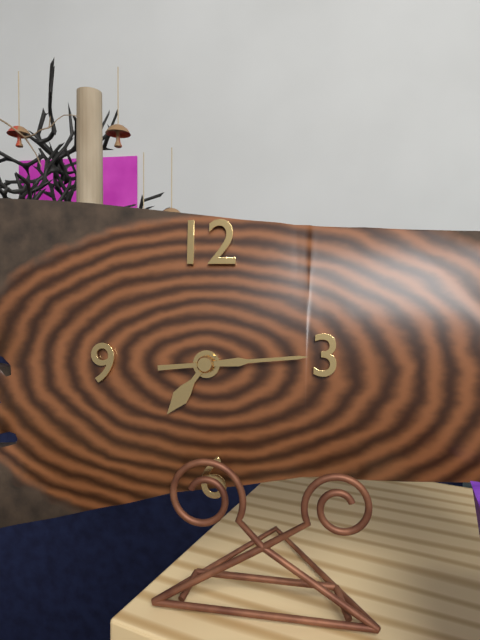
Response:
7.14
